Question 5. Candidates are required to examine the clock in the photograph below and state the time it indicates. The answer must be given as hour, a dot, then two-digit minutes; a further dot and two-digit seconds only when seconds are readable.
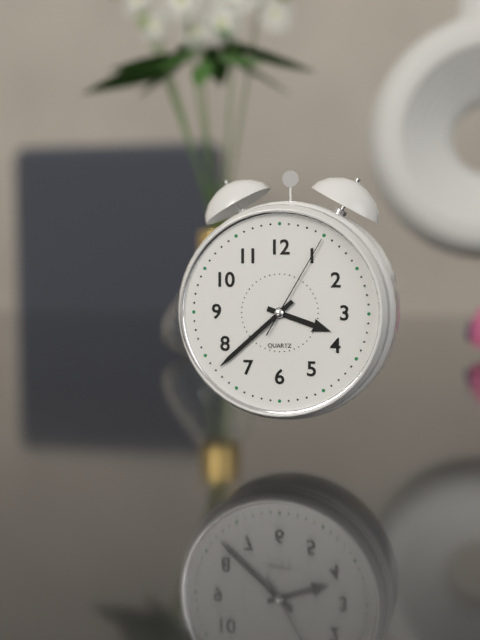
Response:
3.38.05
